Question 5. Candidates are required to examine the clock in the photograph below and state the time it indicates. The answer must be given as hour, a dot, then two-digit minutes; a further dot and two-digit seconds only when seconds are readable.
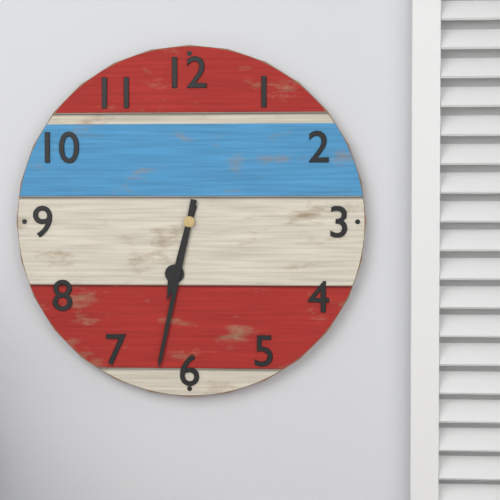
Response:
6.32
